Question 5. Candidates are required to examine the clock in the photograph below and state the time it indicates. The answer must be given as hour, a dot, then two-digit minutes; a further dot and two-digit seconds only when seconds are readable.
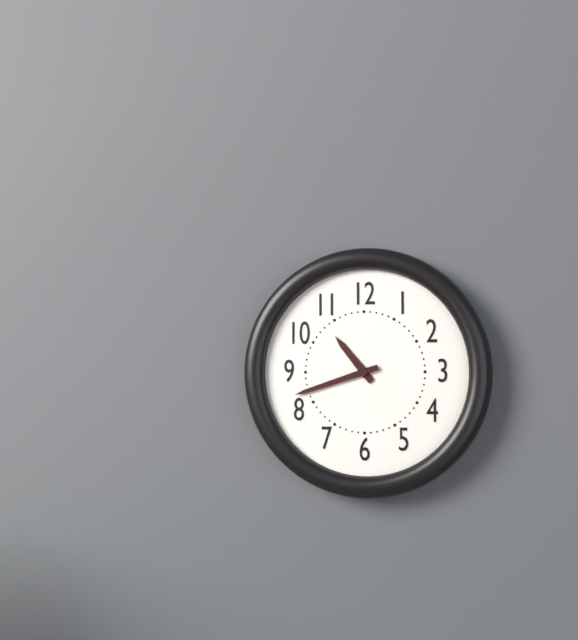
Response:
10.42
